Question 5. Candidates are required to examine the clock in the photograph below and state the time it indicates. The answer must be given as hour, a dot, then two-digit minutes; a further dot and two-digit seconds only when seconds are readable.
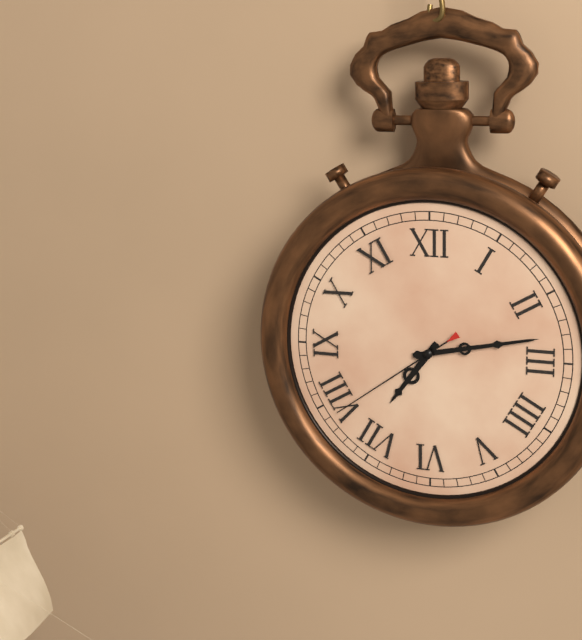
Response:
7.13.39
